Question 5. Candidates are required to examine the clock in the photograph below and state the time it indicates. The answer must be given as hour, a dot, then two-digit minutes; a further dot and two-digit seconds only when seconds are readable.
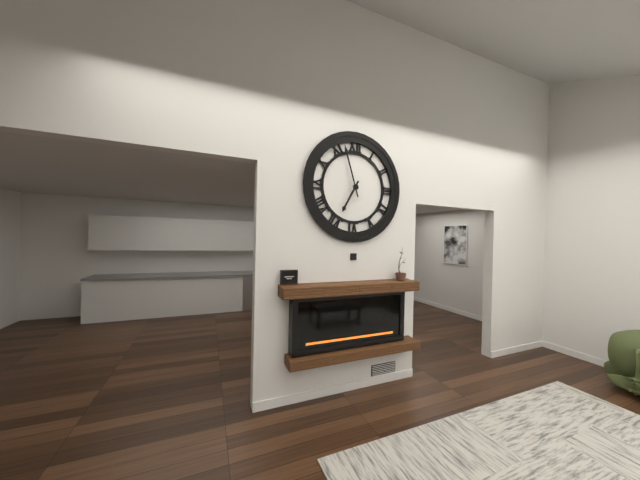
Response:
6.57
